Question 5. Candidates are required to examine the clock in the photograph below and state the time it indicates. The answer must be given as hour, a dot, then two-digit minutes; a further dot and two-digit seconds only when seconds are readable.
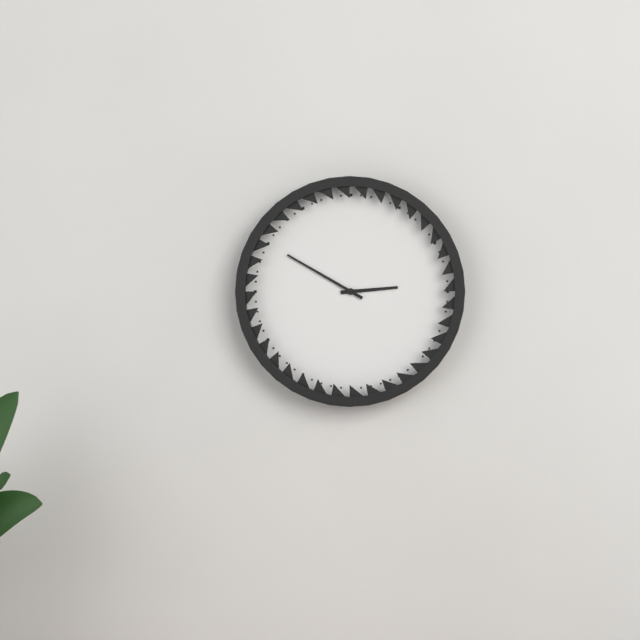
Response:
2.50
